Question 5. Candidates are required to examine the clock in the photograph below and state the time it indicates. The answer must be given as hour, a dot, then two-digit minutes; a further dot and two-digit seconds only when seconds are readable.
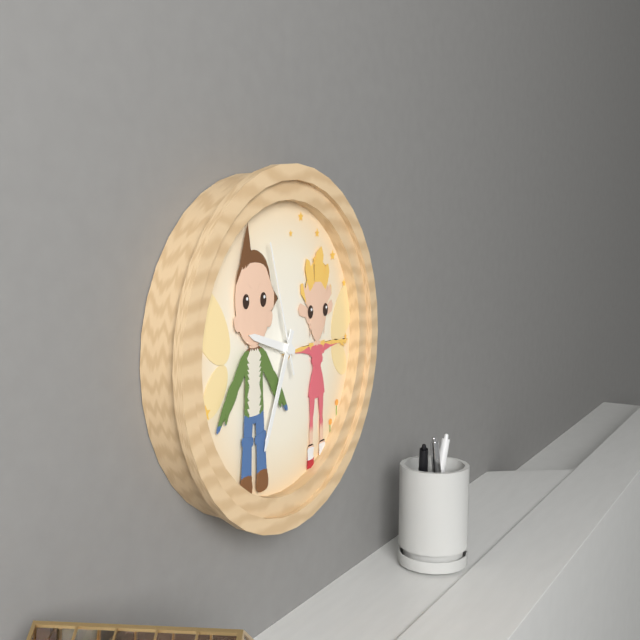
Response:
9.34.57
